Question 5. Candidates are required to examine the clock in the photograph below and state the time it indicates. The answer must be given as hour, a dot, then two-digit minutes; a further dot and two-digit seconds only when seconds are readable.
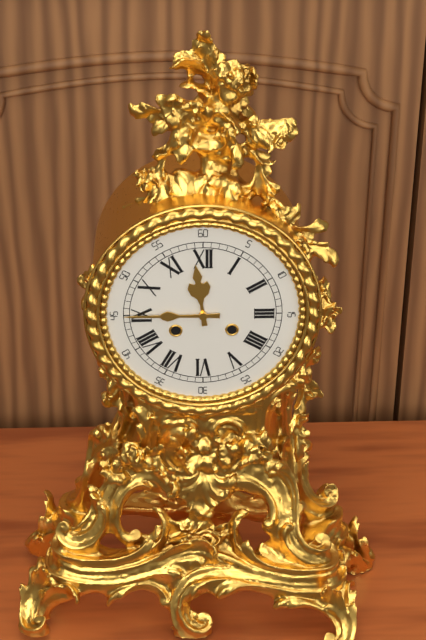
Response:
11.45
